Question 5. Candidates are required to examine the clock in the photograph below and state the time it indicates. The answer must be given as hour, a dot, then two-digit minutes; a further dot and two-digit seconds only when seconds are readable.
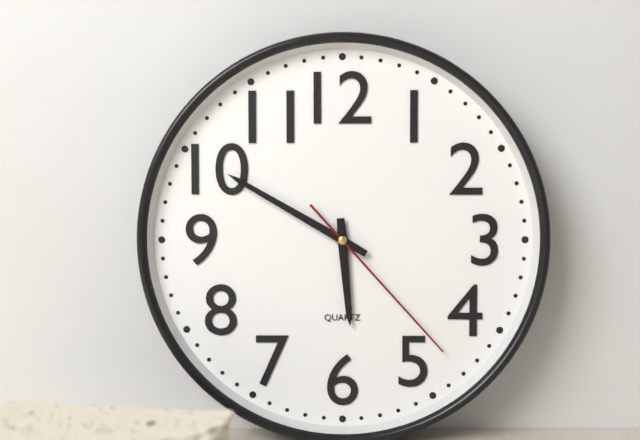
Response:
5.50.23
